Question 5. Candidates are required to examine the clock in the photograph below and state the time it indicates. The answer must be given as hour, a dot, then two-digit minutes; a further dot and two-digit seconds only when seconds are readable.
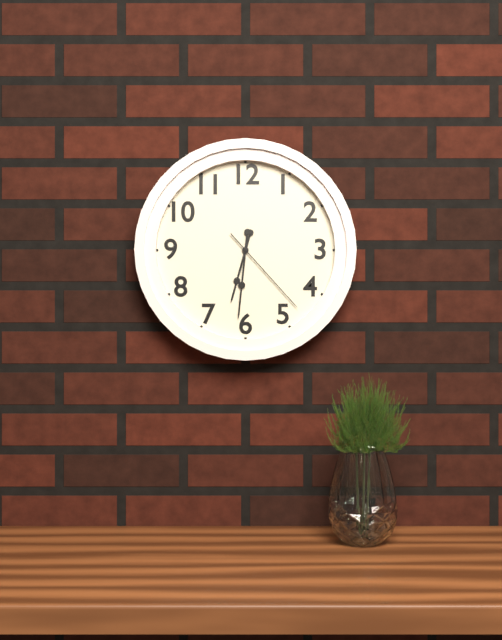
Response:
6.31.23
